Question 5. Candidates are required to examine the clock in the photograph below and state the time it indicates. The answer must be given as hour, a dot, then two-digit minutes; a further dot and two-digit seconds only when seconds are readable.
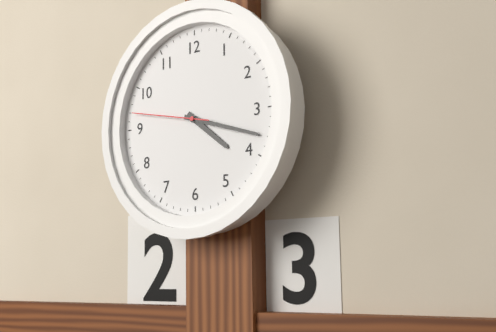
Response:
4.18.47
